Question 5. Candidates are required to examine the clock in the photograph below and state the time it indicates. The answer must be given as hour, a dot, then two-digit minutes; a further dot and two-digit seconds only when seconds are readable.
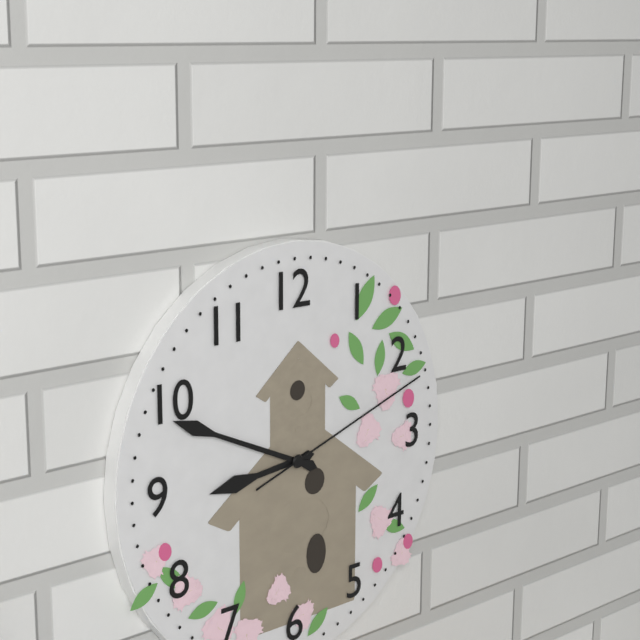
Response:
8.49.12
